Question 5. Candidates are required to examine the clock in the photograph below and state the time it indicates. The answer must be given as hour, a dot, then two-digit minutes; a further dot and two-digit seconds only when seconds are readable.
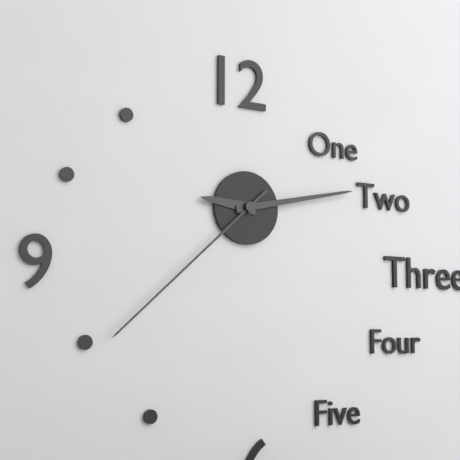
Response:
9.13.38
